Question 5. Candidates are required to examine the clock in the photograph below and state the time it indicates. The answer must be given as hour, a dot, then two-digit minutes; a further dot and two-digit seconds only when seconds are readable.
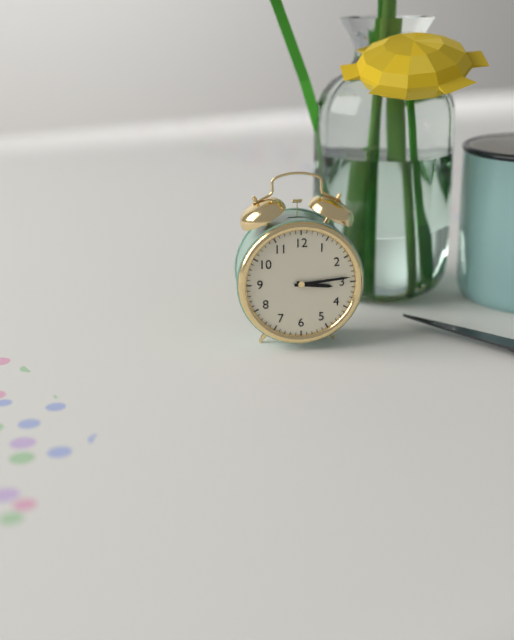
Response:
3.14
